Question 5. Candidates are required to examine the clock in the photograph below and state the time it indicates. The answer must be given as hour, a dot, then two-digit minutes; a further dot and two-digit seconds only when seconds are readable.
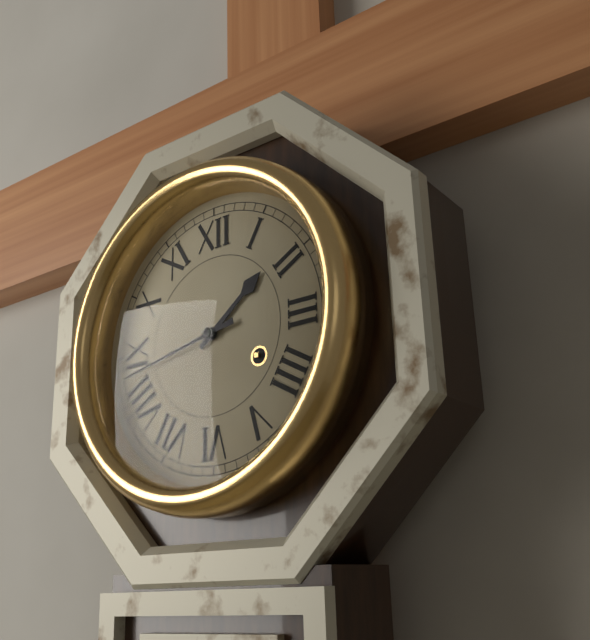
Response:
1.43
